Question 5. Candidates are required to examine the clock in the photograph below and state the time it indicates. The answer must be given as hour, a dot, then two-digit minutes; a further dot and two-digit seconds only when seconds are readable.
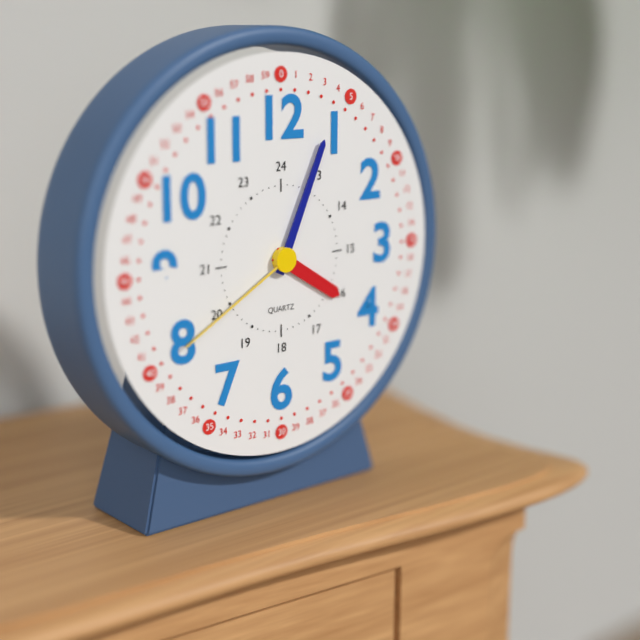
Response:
4.04.40
